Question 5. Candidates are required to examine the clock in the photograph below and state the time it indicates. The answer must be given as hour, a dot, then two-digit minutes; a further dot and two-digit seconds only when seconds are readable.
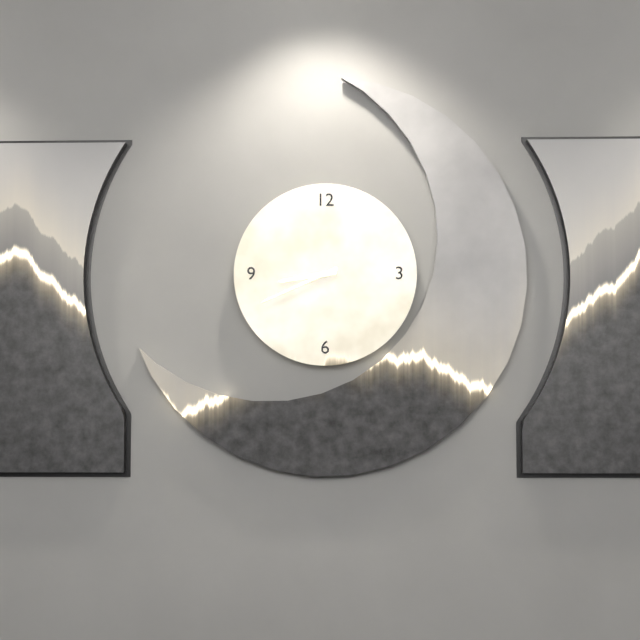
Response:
8.41
